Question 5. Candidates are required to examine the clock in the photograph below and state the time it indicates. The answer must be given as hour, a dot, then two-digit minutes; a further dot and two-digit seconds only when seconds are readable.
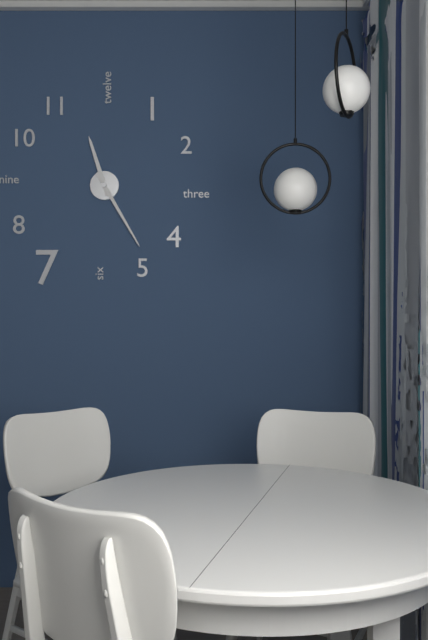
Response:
11.25
